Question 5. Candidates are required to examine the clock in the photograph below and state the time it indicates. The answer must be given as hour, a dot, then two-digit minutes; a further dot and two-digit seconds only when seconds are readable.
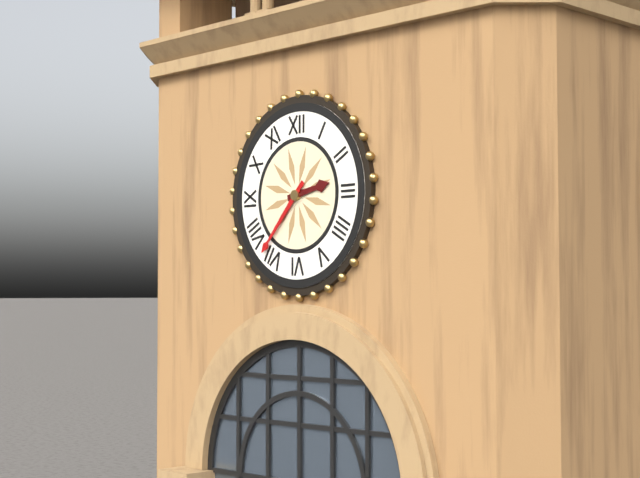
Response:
2.37
